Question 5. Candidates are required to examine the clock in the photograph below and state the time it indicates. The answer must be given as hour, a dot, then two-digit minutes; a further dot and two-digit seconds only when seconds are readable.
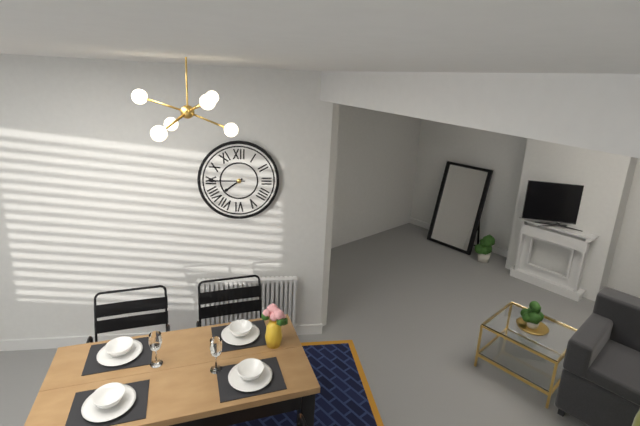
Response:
7.45
